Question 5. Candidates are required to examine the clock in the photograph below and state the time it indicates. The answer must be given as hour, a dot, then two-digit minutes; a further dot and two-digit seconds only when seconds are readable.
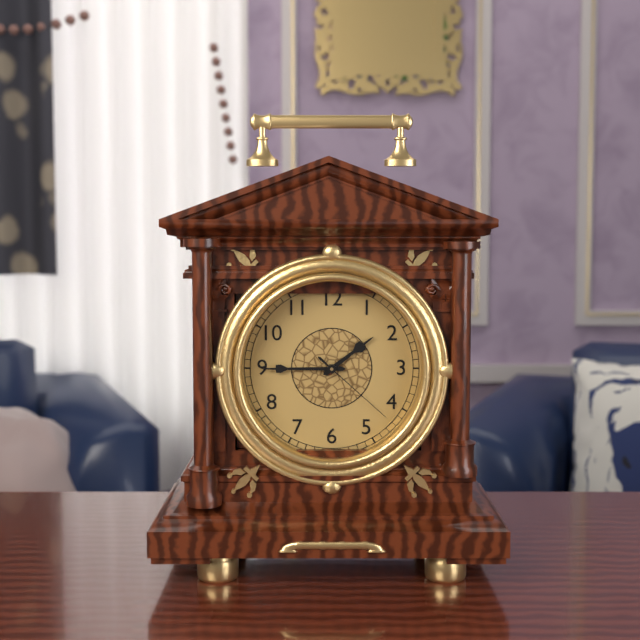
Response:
1.45.22
